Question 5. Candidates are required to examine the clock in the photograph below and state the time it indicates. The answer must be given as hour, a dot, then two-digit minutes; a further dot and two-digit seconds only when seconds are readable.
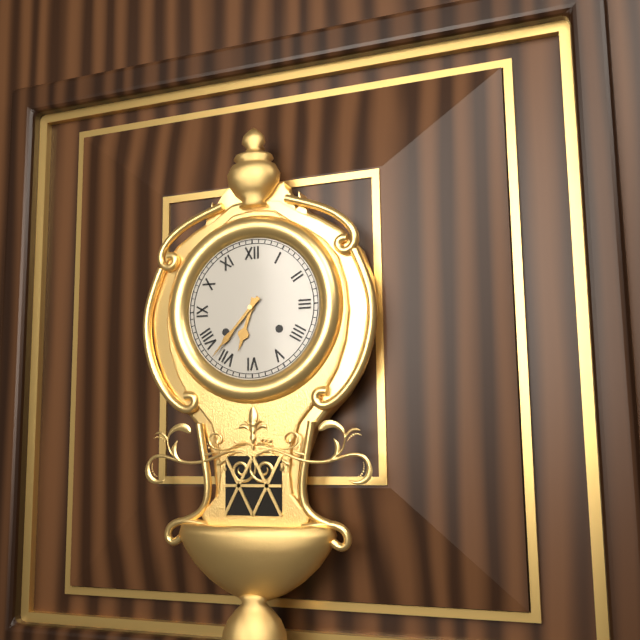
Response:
6.37
